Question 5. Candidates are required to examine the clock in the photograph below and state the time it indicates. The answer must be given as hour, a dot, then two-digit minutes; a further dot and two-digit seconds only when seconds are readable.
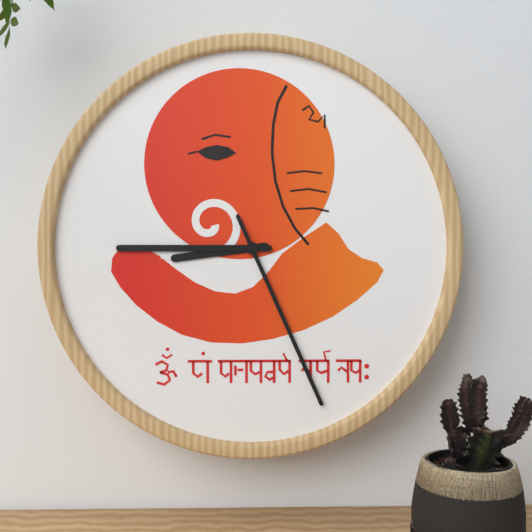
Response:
8.45.26
